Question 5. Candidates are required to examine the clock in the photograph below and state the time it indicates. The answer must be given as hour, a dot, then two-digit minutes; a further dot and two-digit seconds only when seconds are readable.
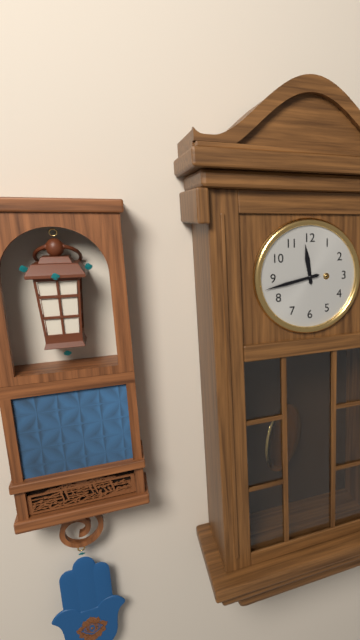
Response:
11.43
